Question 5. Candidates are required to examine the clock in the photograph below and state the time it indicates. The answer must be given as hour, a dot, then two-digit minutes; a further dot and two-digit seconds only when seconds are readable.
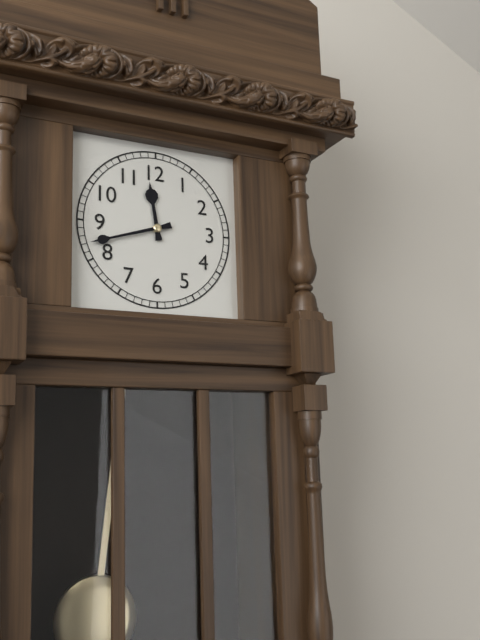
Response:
11.42
